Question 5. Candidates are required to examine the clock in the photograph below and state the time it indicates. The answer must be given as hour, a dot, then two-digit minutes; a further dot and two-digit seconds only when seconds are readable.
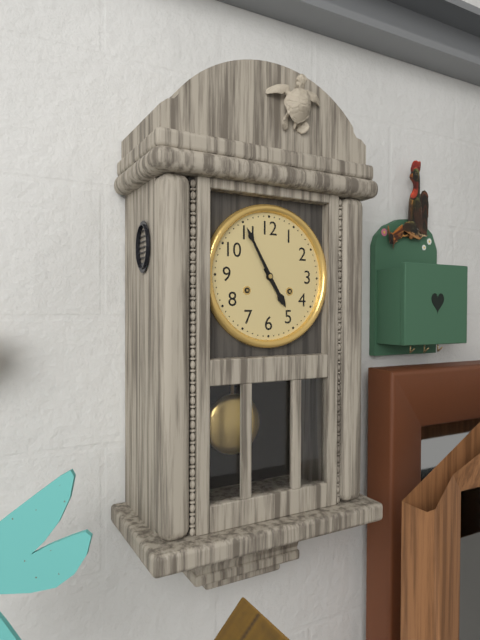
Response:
4.55
